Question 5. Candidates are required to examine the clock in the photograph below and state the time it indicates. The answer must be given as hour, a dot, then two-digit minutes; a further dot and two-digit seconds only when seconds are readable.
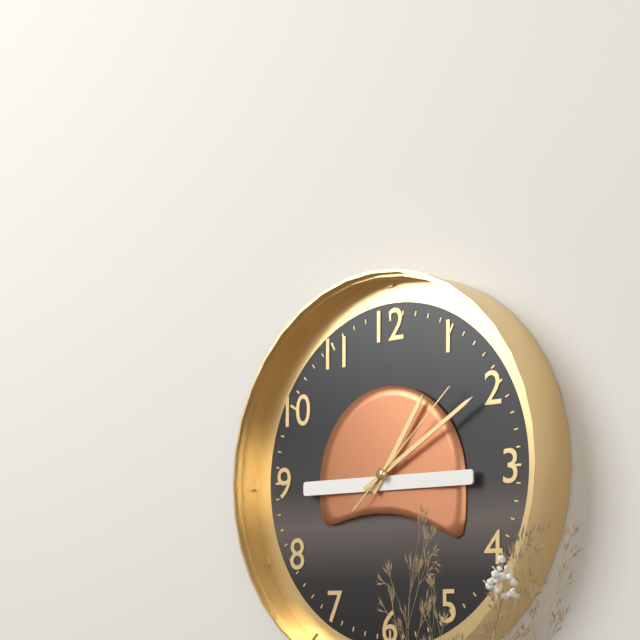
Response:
1.10.08
